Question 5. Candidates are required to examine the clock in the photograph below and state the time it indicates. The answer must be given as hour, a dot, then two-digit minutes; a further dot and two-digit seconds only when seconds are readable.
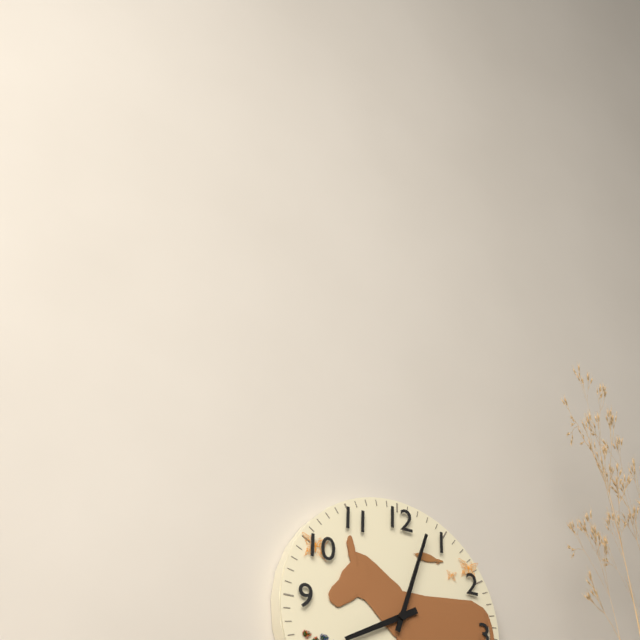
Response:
8.03
